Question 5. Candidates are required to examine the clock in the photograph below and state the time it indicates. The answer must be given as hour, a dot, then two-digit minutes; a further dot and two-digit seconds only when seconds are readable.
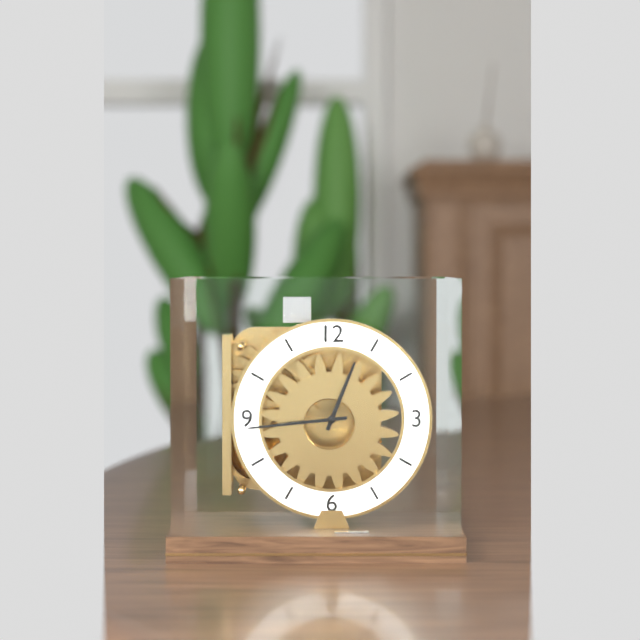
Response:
12.44
